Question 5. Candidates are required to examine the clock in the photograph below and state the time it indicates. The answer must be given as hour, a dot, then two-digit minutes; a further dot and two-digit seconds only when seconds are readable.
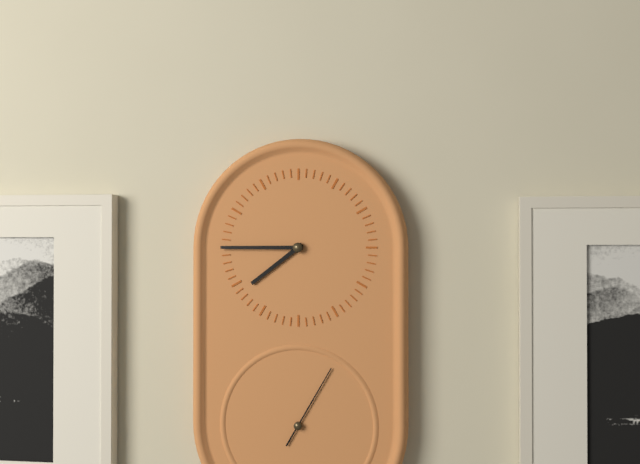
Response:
7.45.05
